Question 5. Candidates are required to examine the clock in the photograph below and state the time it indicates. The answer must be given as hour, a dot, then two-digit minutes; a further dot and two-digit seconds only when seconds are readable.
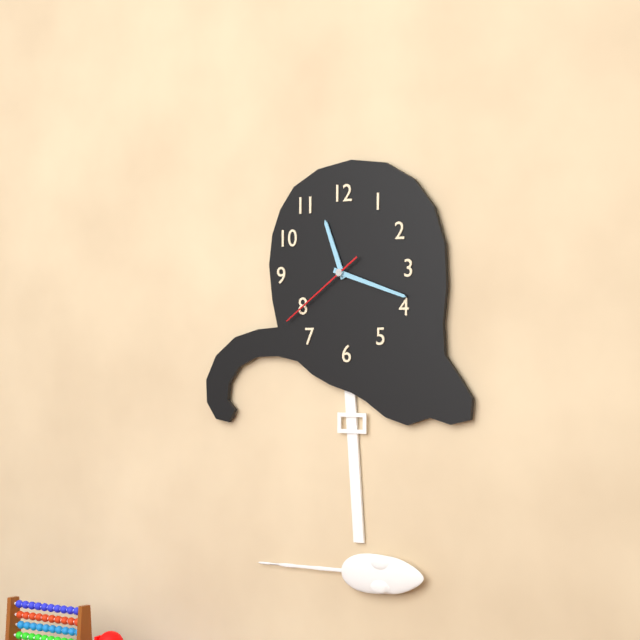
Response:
11.18.39
